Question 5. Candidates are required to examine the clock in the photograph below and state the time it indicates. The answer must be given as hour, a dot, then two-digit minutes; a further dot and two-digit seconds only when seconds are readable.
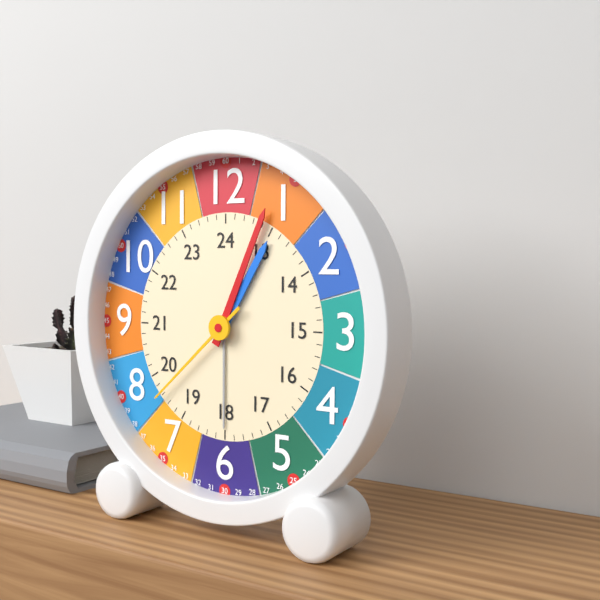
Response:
1.04.38
